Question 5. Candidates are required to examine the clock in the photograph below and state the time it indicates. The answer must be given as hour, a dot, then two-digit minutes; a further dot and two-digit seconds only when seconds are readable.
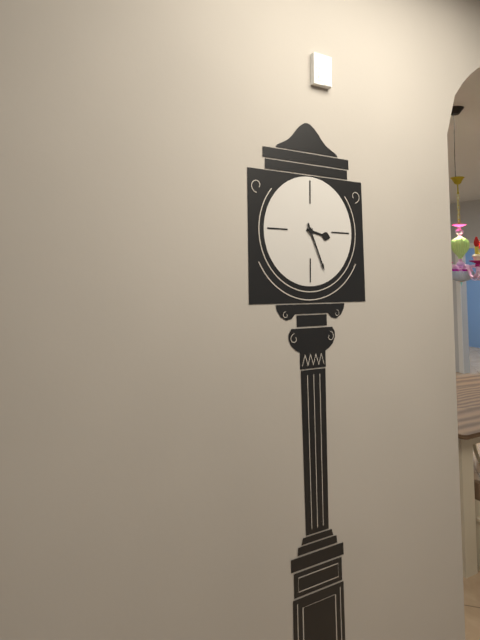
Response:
3.26
